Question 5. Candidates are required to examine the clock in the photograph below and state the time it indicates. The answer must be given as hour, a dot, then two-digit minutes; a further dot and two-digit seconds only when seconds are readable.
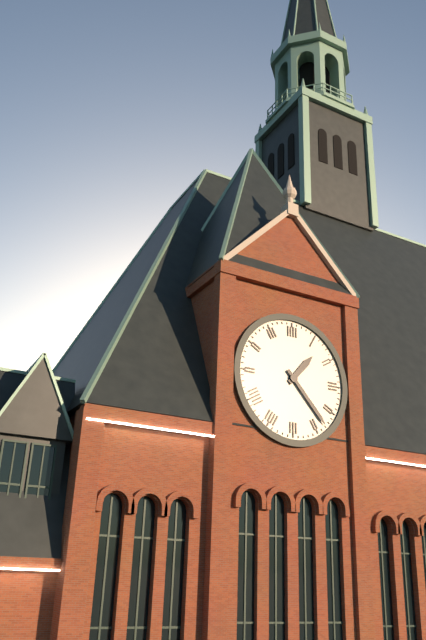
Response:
1.23
